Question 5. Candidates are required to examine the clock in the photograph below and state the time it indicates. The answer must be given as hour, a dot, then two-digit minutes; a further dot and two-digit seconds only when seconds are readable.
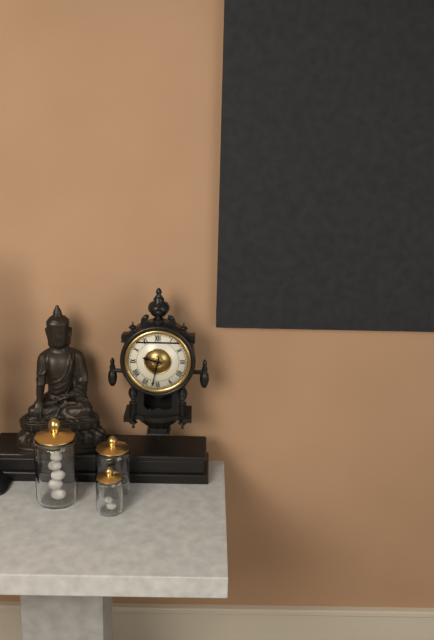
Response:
9.32
